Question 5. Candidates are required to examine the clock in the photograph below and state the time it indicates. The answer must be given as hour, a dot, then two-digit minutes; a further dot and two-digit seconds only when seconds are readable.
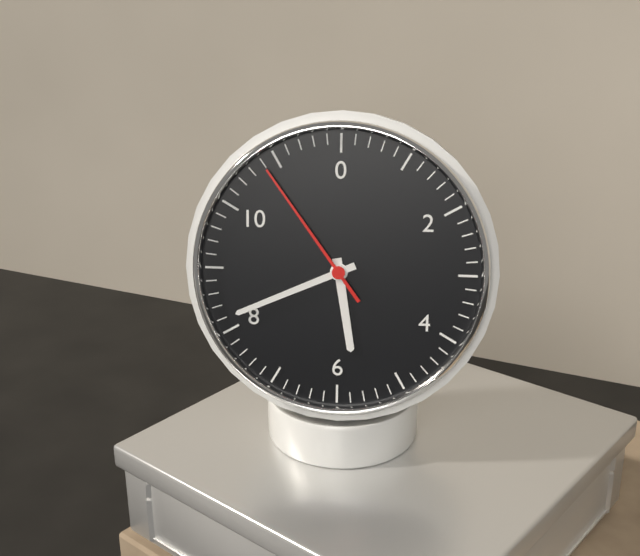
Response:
5.41.54
